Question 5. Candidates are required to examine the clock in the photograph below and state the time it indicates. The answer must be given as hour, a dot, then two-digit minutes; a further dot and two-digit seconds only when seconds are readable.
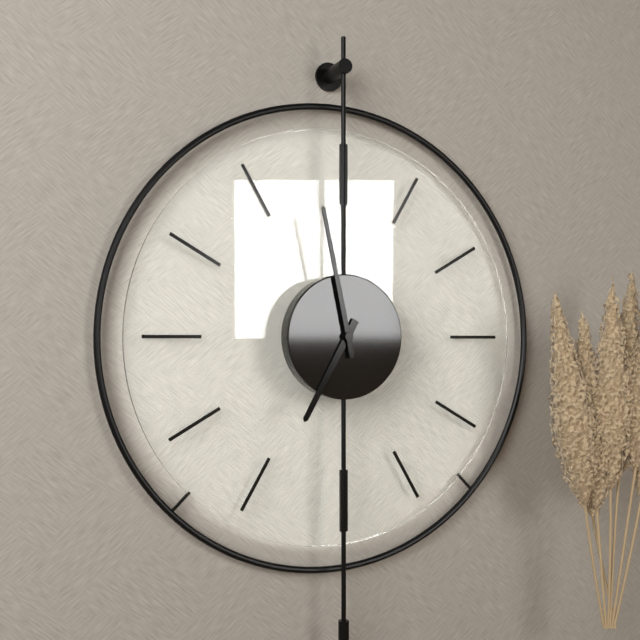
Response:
6.58
